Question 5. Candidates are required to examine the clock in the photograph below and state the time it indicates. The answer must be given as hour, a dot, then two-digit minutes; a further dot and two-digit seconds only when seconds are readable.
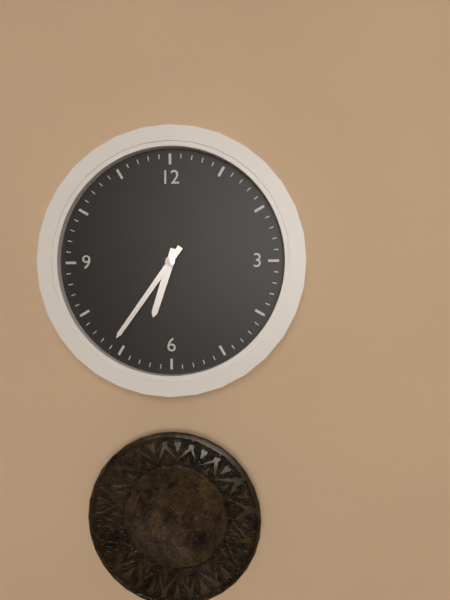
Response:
6.36
